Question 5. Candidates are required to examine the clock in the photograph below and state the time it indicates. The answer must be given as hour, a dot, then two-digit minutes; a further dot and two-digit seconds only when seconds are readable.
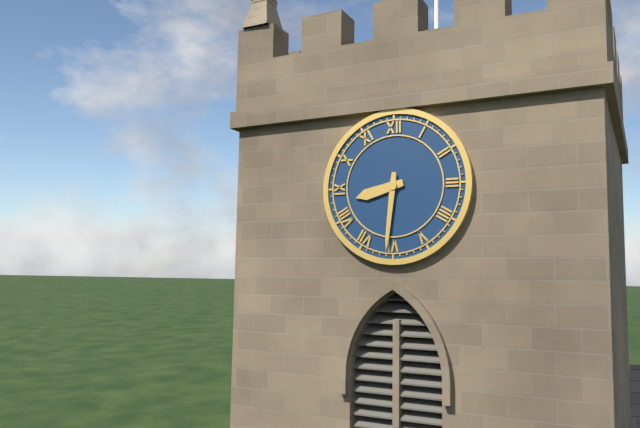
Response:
8.31
